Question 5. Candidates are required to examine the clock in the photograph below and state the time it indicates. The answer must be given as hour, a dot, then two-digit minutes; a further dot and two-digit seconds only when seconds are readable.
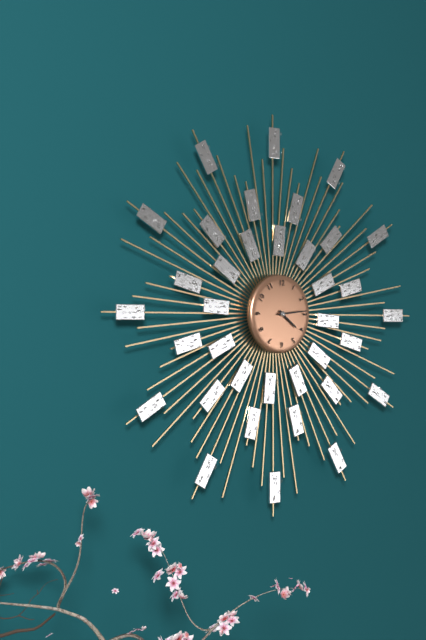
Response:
4.14
